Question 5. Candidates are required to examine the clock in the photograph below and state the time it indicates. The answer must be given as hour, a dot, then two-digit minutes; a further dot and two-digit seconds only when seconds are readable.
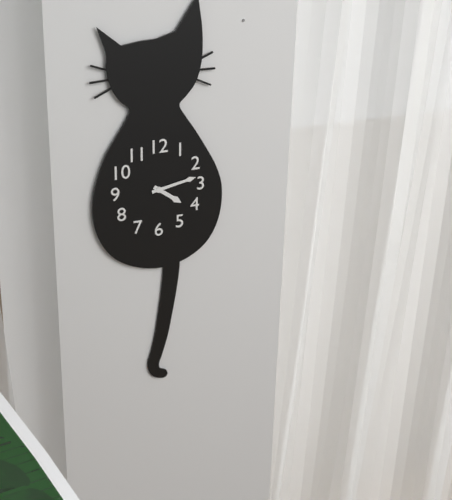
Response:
4.13
